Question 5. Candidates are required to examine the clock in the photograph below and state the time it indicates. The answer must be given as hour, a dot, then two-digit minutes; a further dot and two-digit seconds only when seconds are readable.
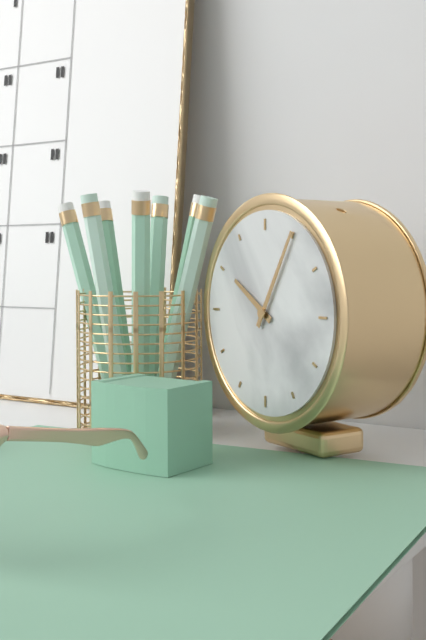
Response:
10.05
